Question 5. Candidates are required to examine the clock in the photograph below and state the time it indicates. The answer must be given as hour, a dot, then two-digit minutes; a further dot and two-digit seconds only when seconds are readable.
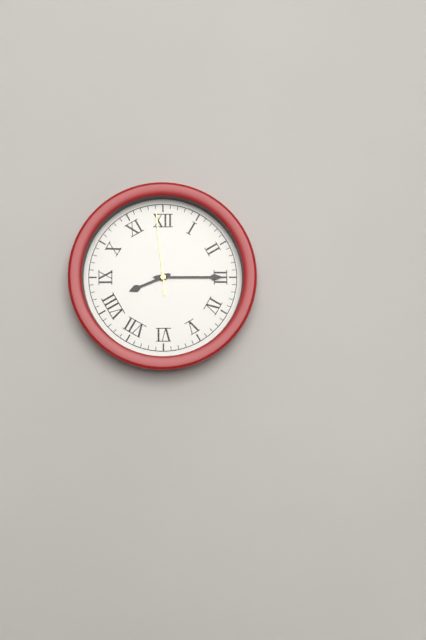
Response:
8.15.59
